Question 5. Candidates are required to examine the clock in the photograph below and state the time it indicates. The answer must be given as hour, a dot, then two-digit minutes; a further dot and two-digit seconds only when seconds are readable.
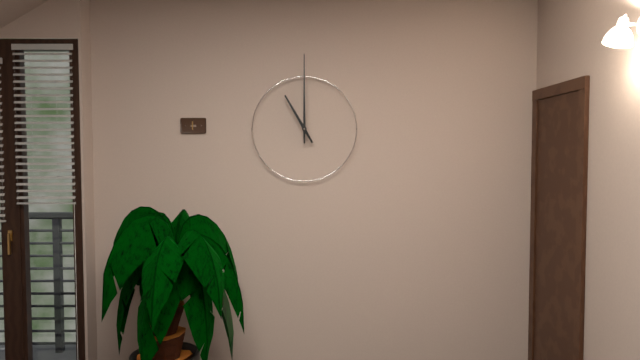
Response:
11.00
